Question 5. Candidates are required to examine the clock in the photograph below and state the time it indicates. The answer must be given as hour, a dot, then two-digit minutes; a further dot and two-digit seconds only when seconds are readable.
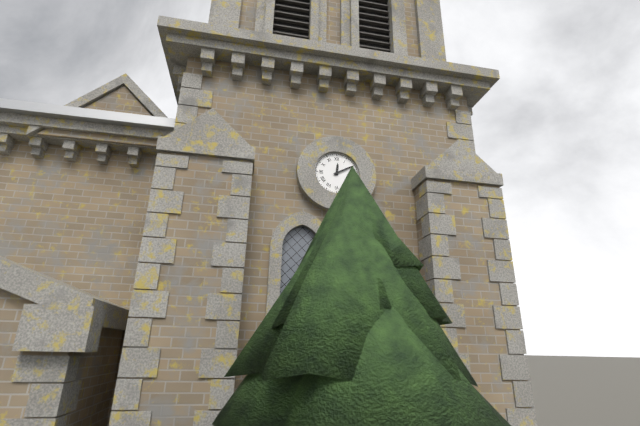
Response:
12.10
